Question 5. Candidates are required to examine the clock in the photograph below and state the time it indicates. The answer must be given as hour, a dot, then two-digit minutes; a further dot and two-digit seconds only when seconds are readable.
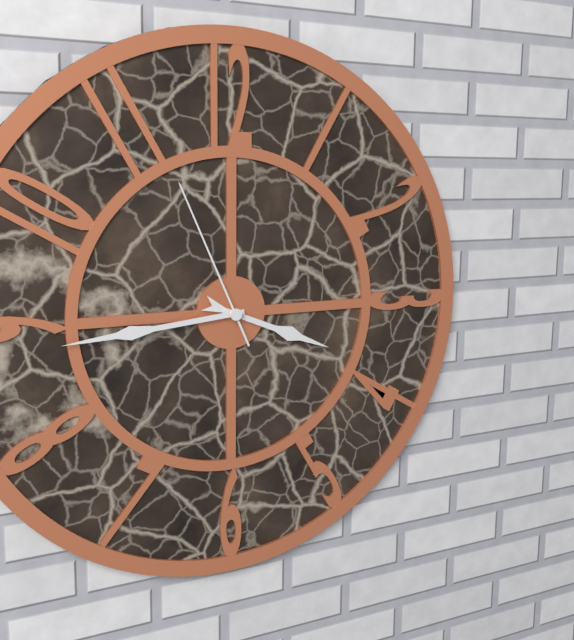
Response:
3.44.56
